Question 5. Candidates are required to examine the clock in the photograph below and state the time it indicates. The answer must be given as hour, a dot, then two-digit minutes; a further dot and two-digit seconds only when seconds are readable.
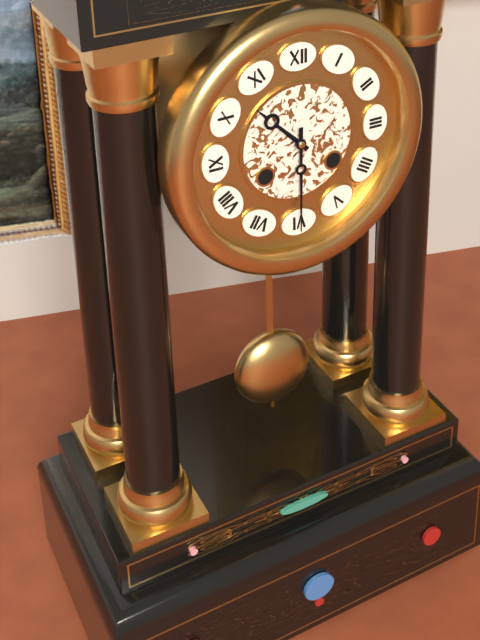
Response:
10.30
